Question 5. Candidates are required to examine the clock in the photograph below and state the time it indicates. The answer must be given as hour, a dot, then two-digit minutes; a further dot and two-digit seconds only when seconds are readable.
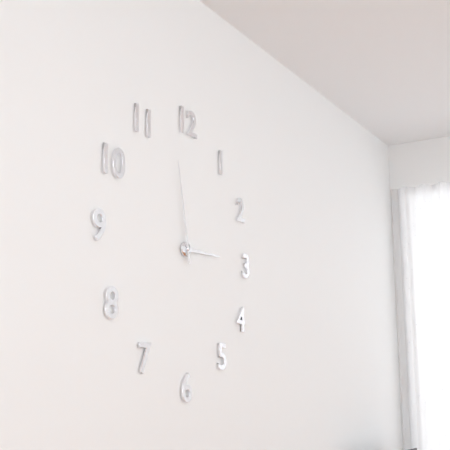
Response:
2.58
